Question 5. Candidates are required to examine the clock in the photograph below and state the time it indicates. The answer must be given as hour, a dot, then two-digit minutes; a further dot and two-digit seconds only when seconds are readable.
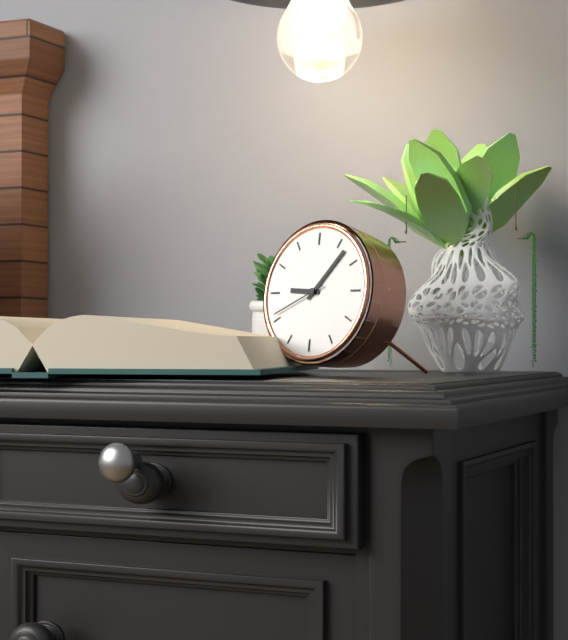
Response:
9.07.41
